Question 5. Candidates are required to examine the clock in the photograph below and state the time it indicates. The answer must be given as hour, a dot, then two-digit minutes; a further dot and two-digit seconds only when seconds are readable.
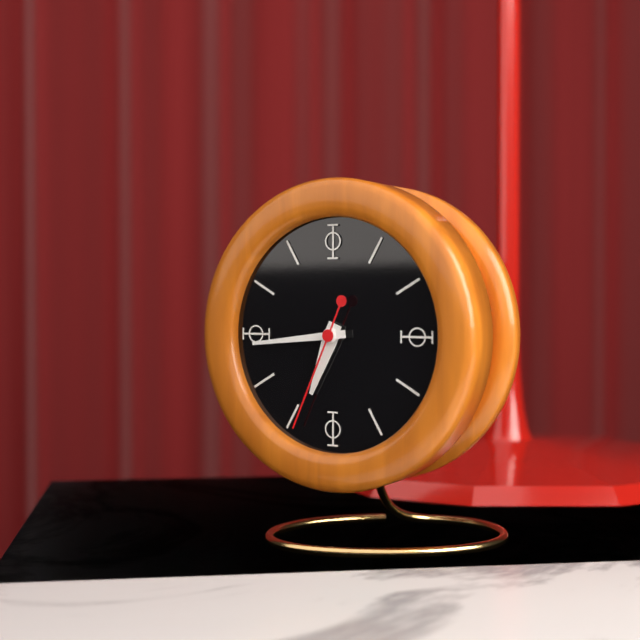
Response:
6.44.34
